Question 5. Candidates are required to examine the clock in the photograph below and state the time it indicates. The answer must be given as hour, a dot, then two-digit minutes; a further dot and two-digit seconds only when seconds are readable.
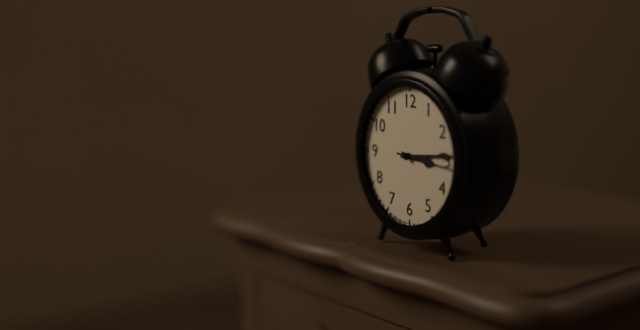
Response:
3.14.16
